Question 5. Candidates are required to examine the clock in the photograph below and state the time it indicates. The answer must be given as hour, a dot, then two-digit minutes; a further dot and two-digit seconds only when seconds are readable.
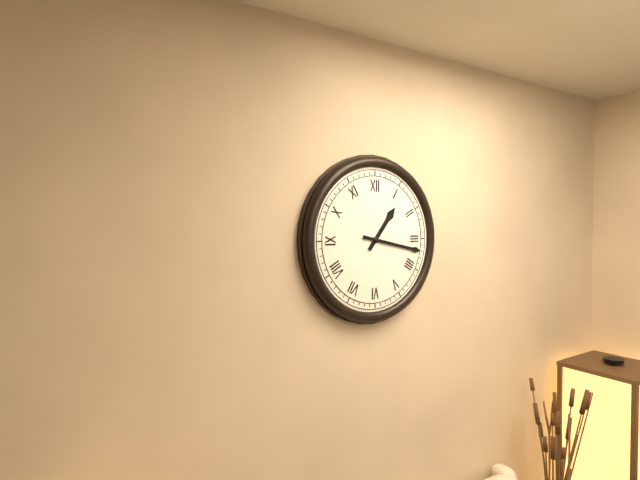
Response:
1.17
